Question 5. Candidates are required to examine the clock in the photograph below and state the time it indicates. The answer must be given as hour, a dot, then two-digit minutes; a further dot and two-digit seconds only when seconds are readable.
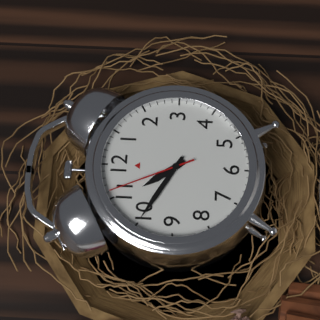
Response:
10.50.56
